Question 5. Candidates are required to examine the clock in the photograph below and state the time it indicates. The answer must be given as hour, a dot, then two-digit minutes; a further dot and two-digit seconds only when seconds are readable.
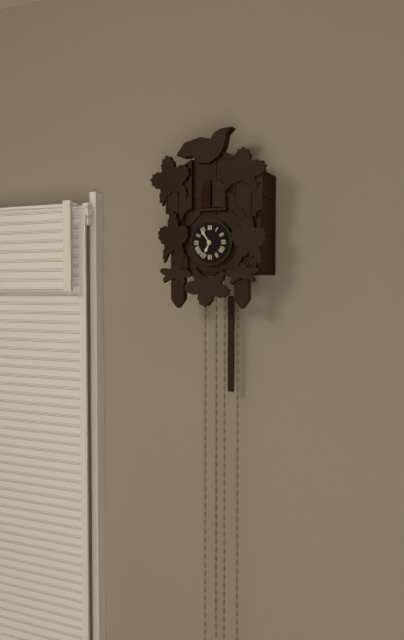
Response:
6.54
